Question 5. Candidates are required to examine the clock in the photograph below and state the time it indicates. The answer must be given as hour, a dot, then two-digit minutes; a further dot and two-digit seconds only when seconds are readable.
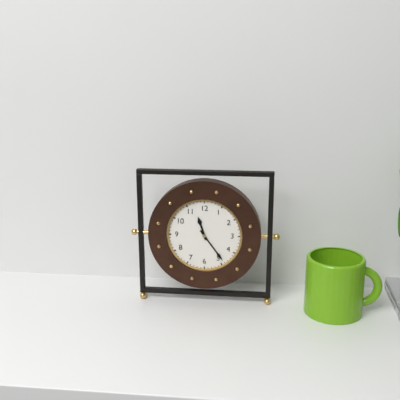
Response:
11.24
